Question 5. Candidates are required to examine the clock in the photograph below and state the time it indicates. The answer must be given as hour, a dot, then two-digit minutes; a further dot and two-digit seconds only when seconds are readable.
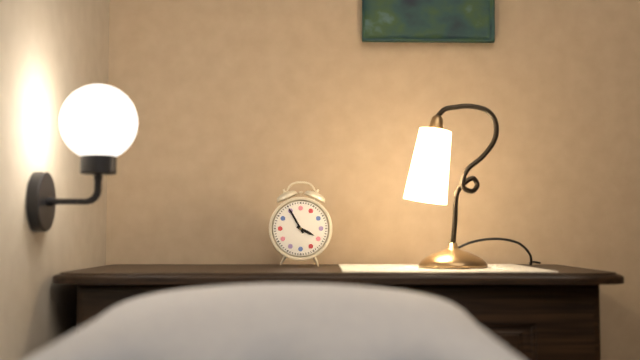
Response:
3.55
